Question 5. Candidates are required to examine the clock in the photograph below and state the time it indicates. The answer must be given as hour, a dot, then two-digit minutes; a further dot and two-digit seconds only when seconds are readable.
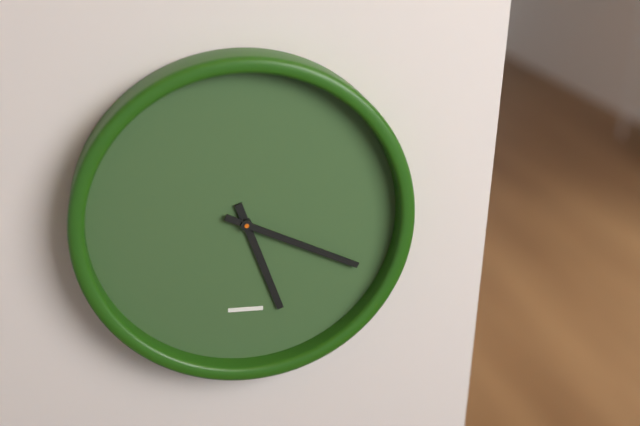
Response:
5.19
